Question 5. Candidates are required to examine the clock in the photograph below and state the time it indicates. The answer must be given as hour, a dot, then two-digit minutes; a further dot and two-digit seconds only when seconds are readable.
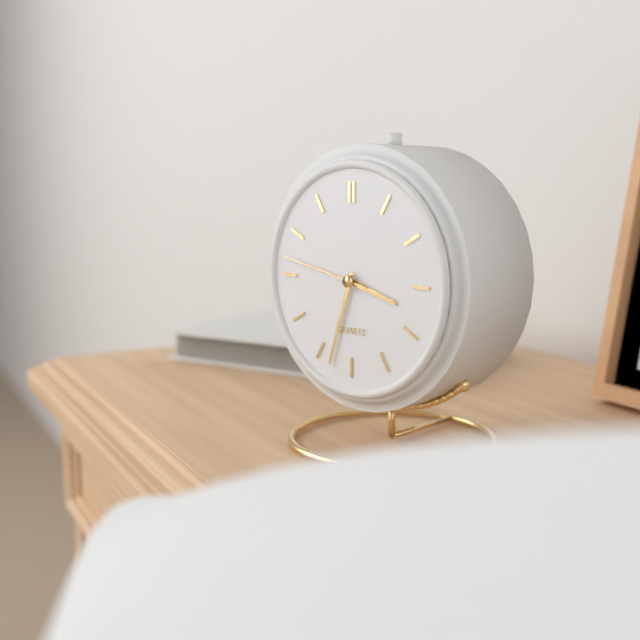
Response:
3.33.47
